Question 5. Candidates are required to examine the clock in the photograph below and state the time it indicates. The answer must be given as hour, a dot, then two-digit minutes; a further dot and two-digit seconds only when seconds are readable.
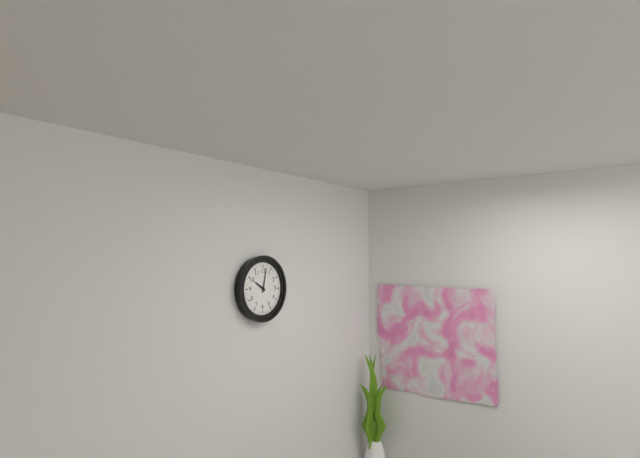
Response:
10.02
